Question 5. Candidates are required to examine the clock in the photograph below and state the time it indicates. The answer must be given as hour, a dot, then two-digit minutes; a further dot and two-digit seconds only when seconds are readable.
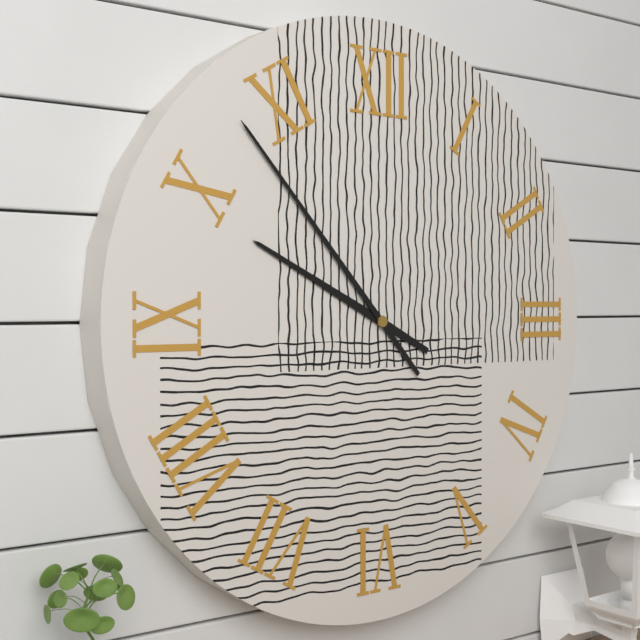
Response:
9.53
